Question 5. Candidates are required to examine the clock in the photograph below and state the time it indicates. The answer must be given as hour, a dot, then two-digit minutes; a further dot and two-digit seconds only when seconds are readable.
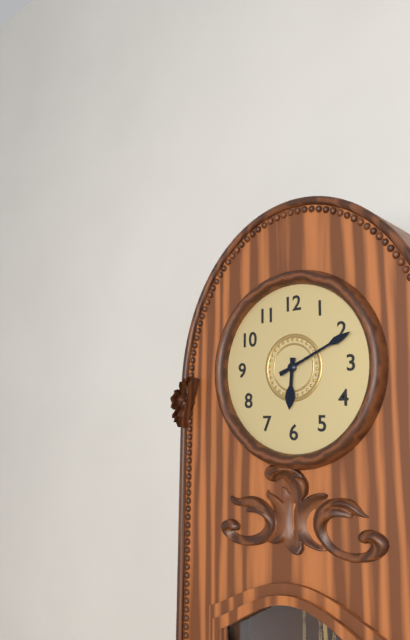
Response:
6.11
